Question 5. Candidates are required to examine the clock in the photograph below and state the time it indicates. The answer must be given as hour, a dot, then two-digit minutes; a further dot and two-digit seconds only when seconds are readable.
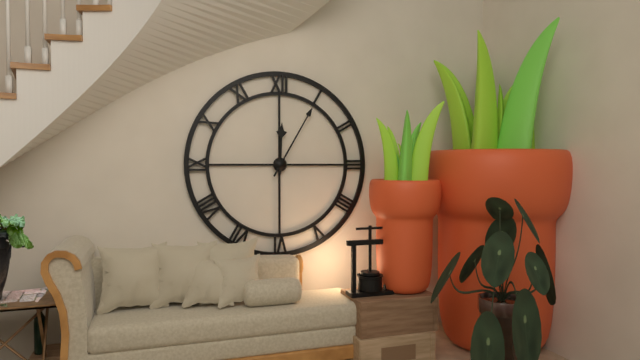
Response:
12.05
